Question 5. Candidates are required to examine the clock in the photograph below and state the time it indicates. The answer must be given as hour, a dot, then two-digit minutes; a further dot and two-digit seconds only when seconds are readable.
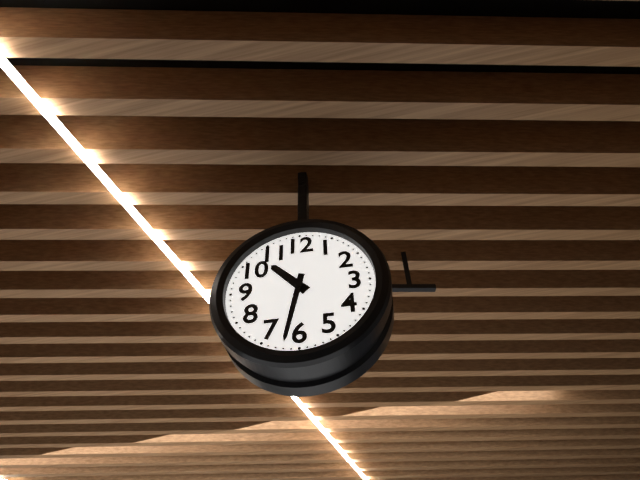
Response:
10.32
